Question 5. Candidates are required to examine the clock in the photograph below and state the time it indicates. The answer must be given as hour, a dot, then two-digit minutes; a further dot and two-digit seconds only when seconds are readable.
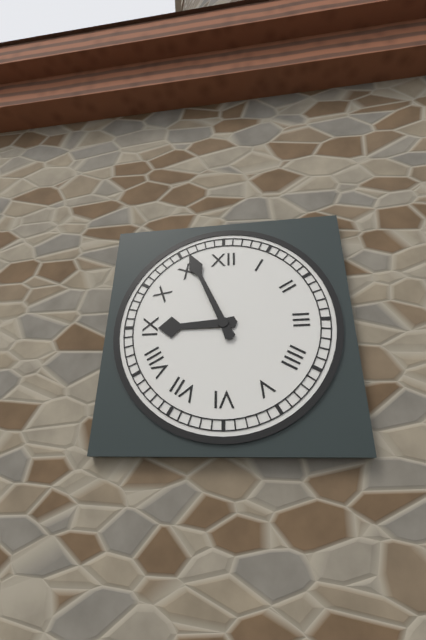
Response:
8.56
